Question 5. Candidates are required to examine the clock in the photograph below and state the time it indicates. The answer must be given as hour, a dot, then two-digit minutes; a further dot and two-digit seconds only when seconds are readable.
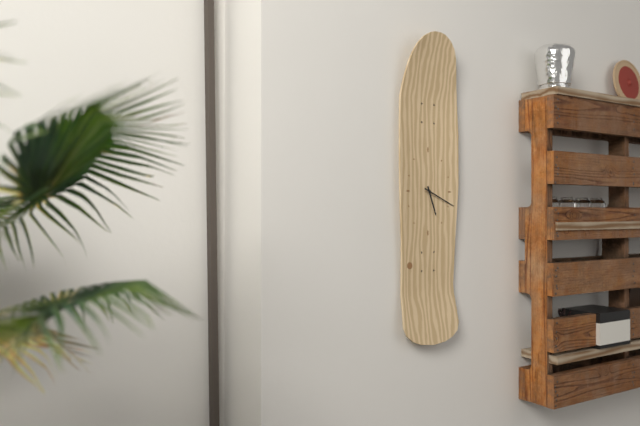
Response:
5.19
